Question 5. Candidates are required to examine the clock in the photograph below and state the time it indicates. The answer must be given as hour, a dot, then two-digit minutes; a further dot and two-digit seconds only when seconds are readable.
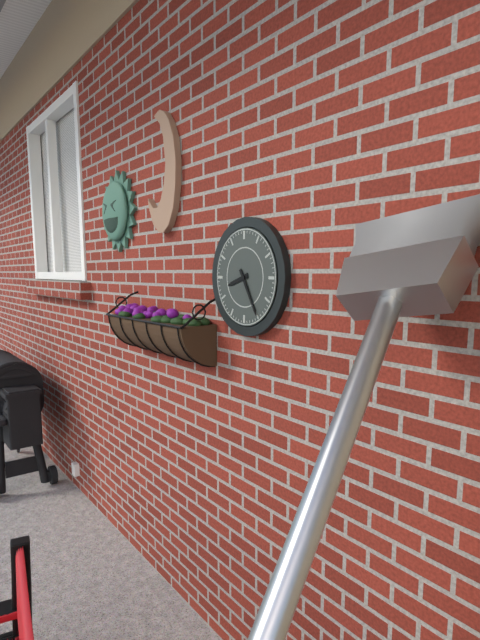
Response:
8.25
